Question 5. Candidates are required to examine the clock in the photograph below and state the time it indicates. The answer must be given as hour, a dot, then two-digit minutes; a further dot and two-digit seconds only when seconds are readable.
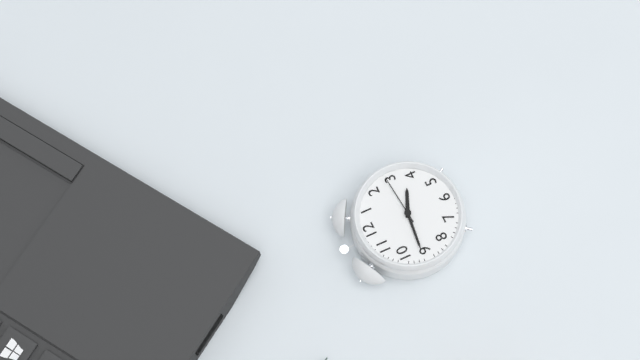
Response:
3.46.14
